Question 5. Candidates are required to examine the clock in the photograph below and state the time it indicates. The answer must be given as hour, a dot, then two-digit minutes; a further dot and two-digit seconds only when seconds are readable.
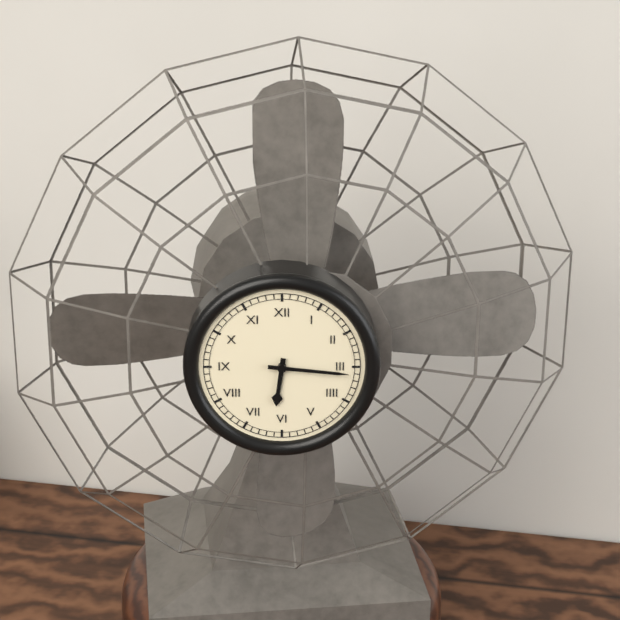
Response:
6.16
